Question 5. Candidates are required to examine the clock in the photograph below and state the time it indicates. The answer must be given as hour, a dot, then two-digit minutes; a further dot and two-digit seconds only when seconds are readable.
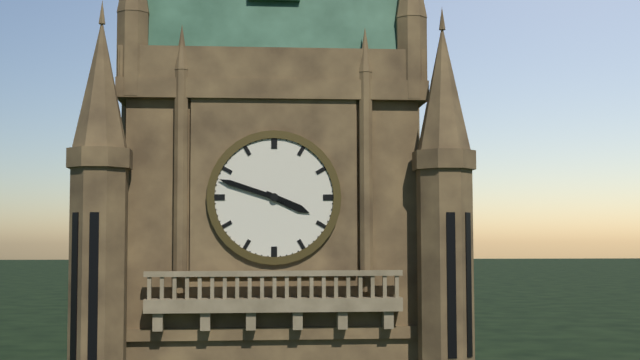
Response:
3.48
